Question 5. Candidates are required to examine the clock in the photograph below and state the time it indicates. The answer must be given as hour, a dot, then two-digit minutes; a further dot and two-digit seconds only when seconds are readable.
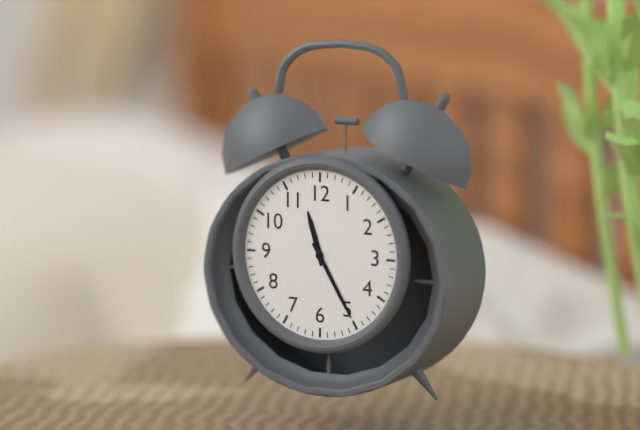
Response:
11.25
